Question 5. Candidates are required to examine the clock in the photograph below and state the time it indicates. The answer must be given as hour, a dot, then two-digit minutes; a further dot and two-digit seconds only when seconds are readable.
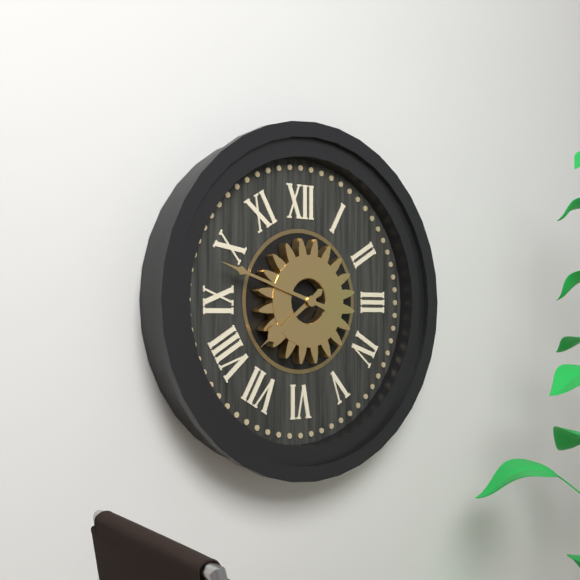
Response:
7.48
